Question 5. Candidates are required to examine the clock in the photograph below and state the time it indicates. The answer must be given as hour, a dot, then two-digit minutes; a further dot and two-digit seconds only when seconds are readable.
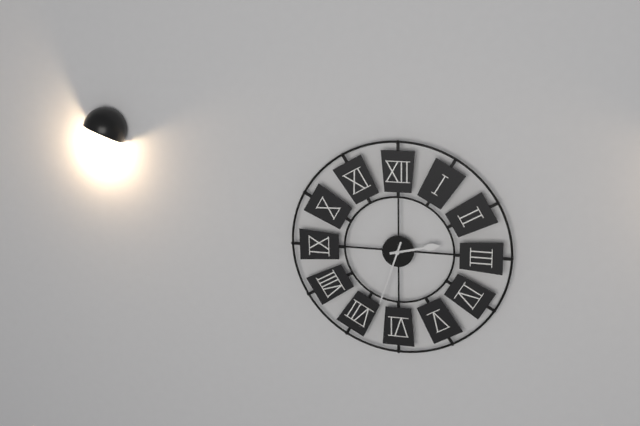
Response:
2.33
